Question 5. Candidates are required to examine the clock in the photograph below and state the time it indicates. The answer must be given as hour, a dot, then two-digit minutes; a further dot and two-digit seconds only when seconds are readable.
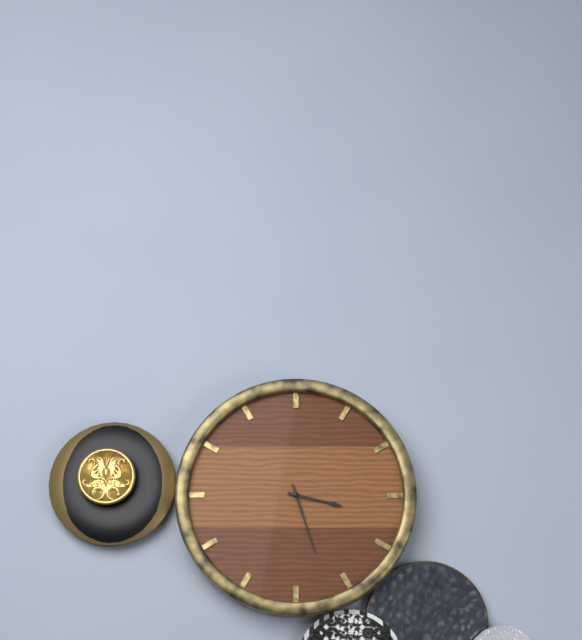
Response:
3.27
